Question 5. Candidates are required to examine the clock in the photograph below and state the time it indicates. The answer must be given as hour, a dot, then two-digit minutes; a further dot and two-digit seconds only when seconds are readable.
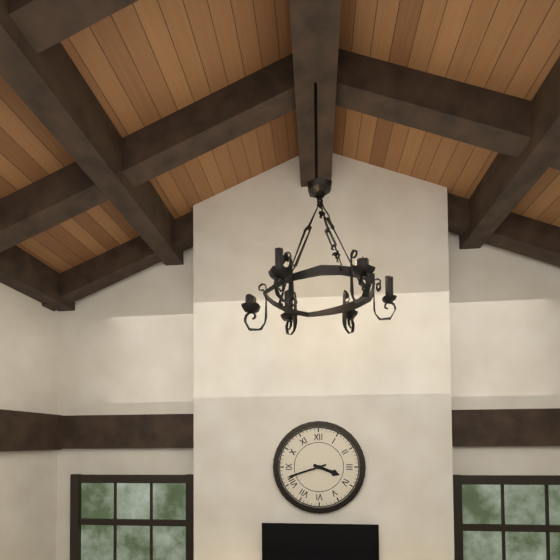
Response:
3.42
